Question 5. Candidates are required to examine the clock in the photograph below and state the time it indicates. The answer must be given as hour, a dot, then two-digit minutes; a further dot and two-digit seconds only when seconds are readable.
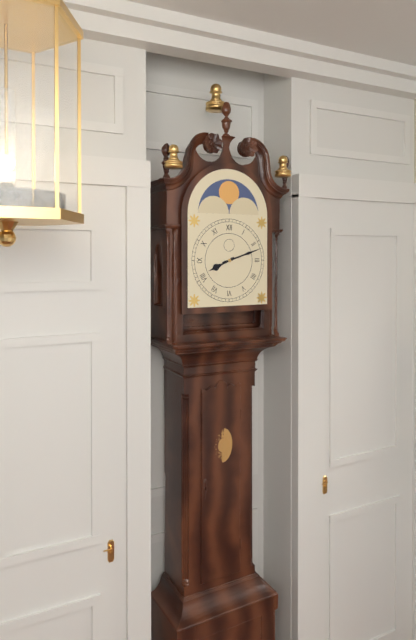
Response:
8.12
